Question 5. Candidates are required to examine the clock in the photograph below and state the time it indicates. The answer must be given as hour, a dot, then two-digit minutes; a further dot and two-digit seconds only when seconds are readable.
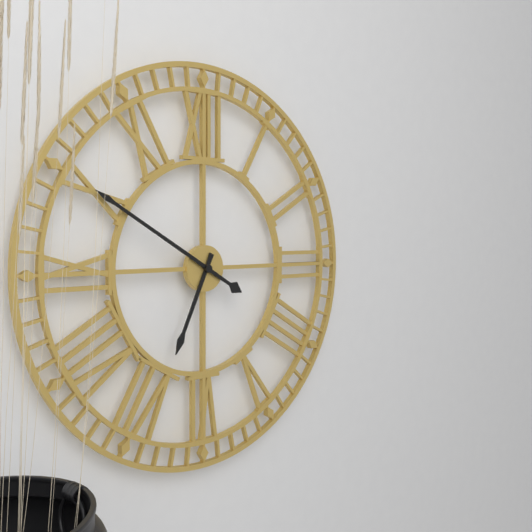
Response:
6.50
